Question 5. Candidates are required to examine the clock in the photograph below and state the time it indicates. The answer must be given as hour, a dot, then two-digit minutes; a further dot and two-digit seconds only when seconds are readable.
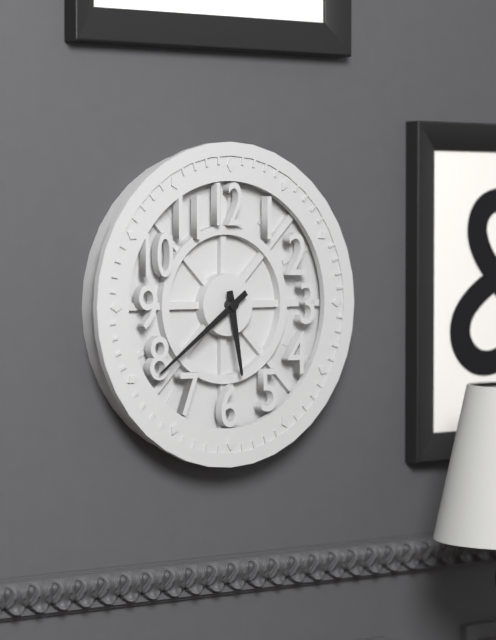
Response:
5.39
